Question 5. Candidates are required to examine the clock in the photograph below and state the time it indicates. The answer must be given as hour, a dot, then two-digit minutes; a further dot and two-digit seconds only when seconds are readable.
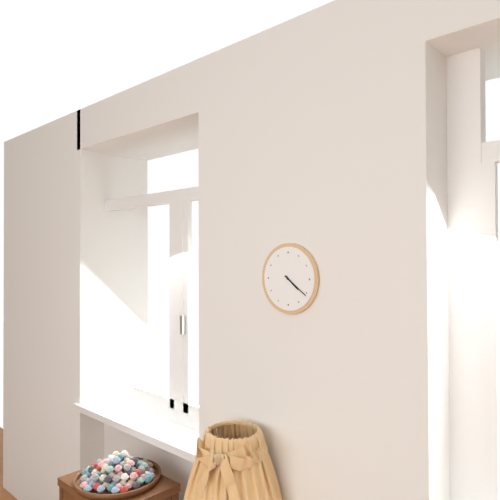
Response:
4.21
